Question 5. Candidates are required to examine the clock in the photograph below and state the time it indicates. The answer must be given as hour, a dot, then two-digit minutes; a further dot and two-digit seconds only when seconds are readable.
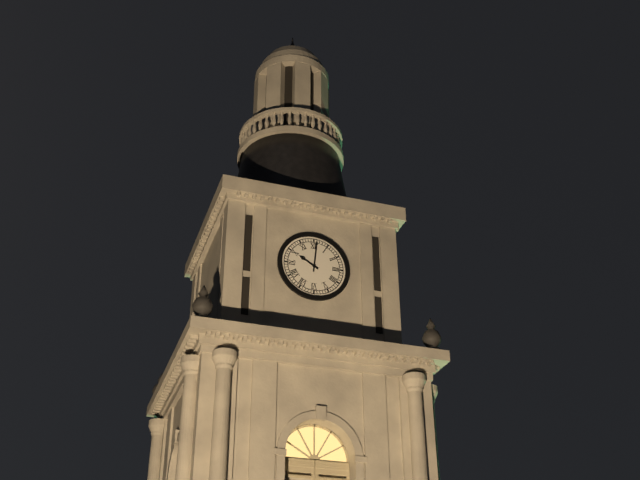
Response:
10.01
